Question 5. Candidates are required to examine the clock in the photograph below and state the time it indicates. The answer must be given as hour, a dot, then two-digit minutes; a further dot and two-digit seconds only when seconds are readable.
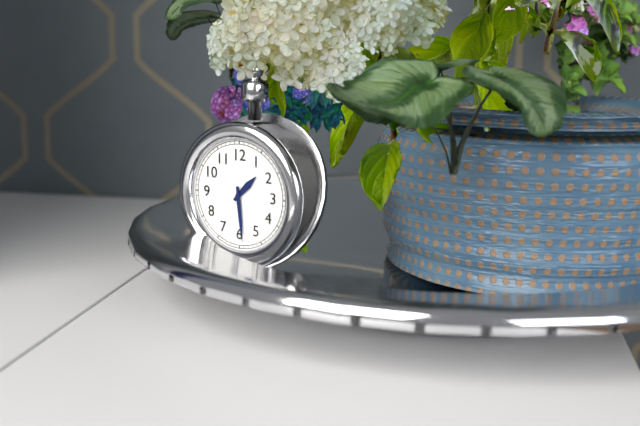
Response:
1.29
